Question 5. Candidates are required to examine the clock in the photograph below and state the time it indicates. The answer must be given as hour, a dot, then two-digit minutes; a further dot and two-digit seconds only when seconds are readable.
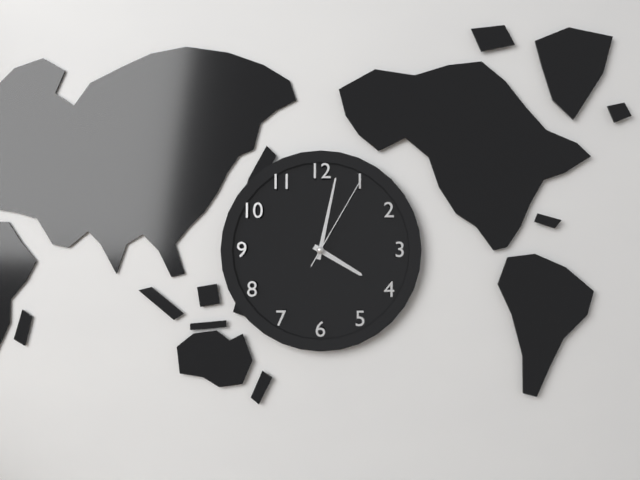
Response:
4.02.05
